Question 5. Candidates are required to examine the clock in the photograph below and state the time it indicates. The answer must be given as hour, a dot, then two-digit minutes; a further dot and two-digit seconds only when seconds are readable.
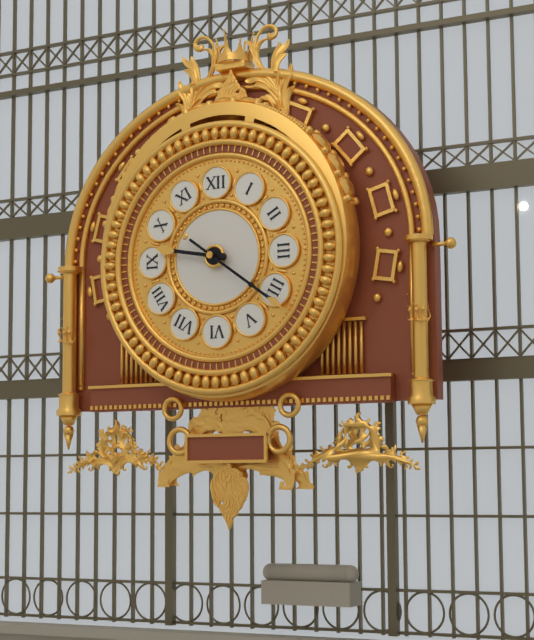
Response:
9.21
